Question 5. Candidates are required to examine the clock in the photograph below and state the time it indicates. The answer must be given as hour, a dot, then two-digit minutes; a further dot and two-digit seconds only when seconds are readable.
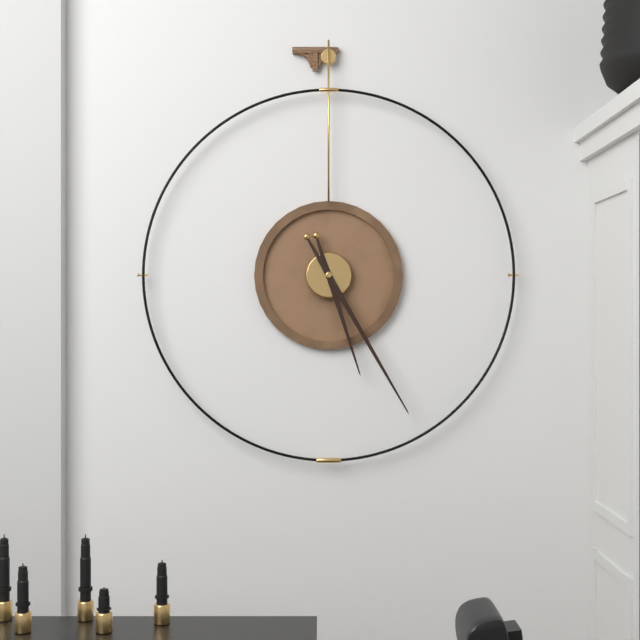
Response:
5.25
